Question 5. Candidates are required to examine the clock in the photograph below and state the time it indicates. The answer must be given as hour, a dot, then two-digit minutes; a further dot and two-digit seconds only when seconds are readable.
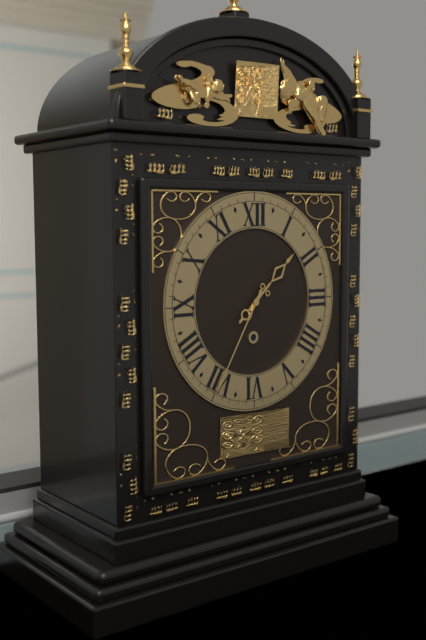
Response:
1.35
